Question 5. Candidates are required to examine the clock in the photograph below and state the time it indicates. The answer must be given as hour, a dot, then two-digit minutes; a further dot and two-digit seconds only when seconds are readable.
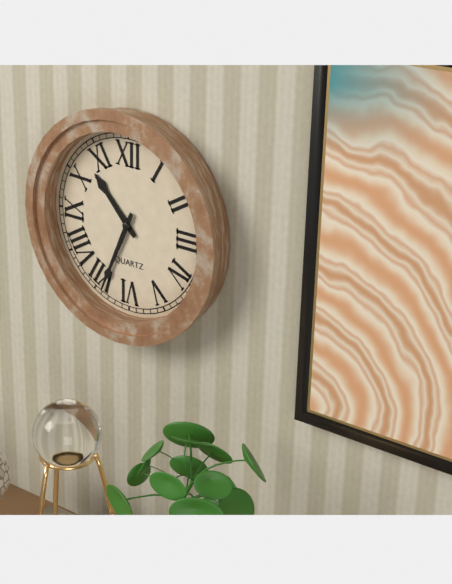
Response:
10.34
